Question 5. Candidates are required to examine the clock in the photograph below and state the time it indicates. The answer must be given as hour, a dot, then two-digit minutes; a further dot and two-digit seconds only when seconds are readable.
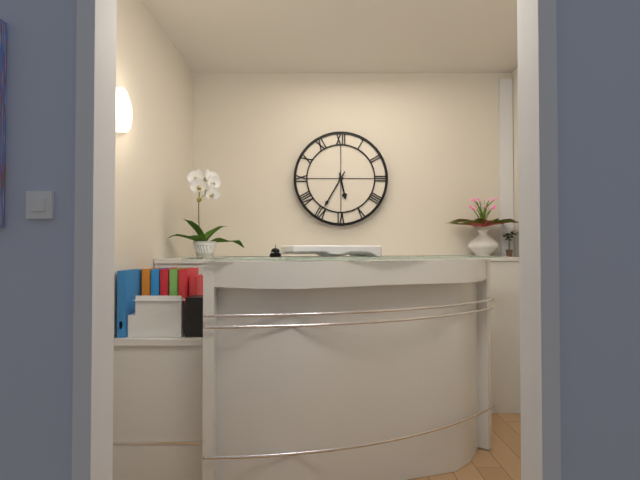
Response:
5.35
